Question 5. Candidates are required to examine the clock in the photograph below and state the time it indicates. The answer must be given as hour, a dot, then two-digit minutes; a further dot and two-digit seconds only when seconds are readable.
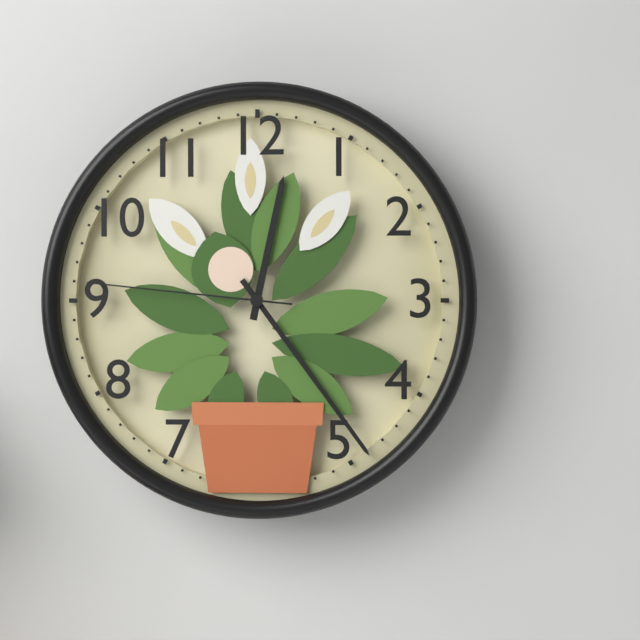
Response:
12.24.46
